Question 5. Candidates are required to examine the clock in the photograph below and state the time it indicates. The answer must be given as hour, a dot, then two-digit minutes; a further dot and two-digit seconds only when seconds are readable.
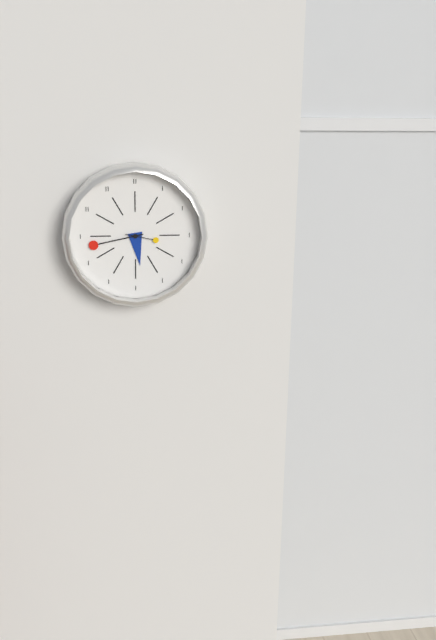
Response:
5.43
